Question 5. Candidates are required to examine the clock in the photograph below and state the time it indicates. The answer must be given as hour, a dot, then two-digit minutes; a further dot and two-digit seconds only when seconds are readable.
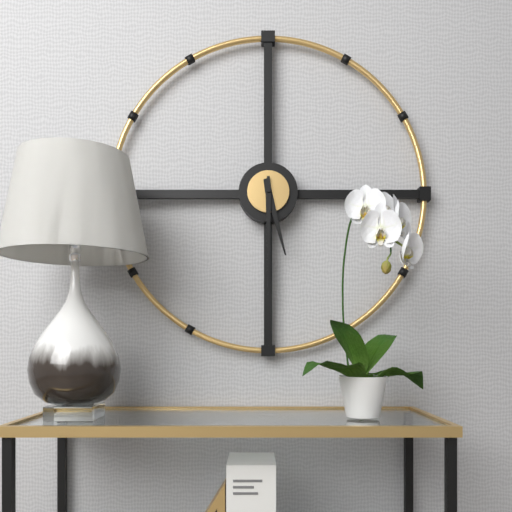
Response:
5.30
